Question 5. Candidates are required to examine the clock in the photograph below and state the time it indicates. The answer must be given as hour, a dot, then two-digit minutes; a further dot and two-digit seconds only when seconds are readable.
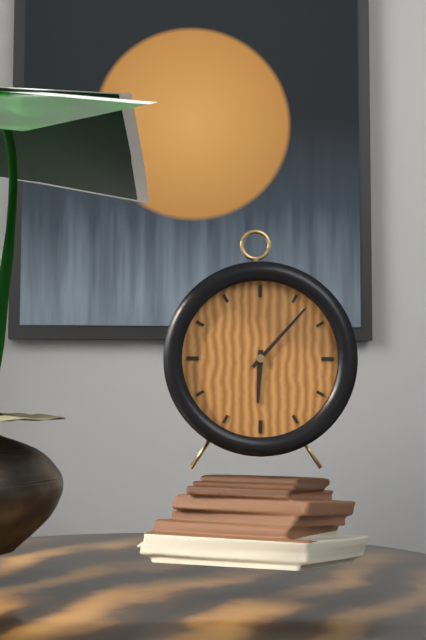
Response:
6.07
